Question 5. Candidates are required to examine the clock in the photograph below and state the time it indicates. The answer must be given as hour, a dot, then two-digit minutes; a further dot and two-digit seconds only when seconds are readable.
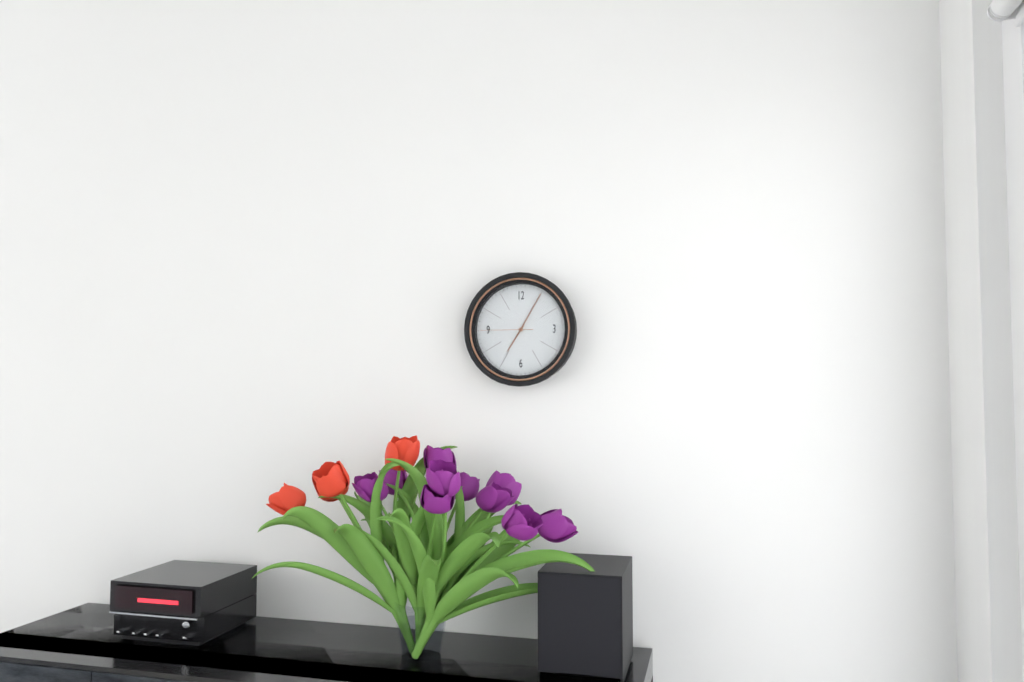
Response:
7.05.45
